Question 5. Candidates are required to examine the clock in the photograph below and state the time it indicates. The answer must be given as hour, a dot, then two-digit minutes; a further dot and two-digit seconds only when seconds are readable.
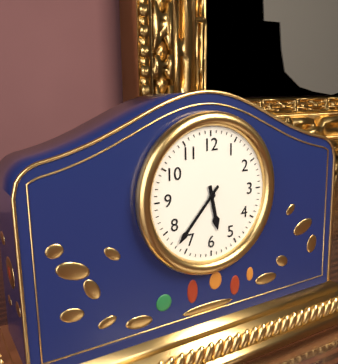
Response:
5.37
